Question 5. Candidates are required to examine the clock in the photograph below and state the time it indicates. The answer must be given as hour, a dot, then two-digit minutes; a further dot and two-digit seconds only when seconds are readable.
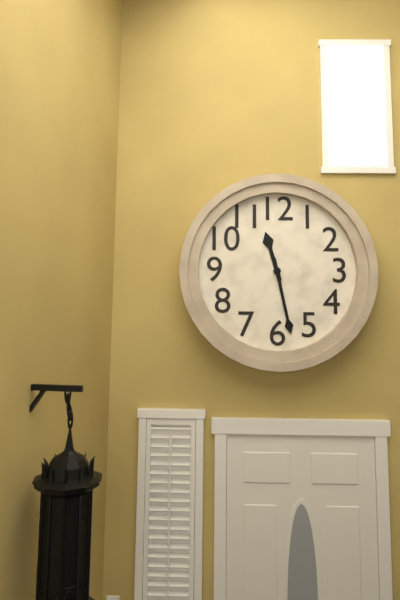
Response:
11.28
